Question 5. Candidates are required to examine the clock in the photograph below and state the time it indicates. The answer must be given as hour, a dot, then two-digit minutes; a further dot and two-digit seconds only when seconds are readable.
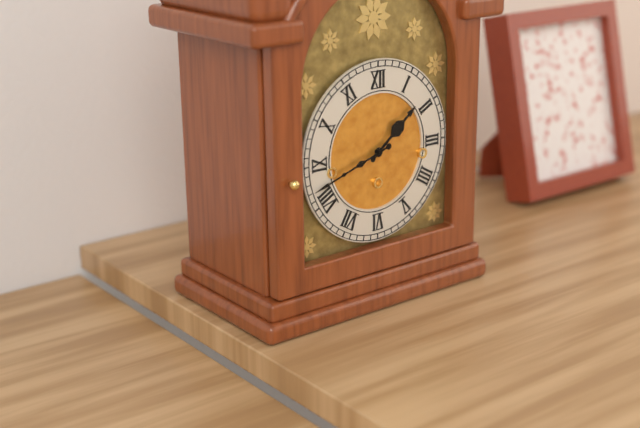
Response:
1.42
